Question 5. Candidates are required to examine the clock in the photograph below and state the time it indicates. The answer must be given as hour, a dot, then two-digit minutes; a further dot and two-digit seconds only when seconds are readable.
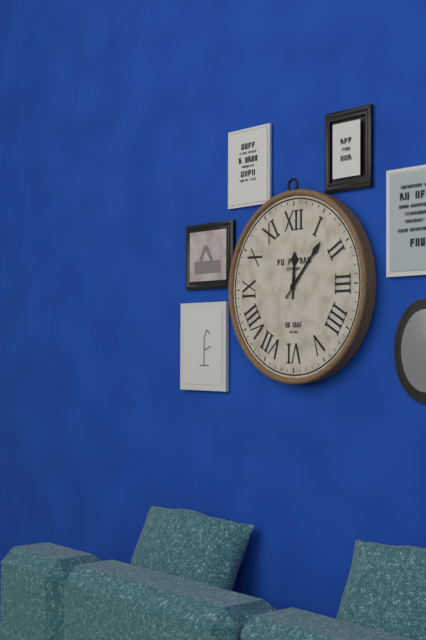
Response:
12.07
